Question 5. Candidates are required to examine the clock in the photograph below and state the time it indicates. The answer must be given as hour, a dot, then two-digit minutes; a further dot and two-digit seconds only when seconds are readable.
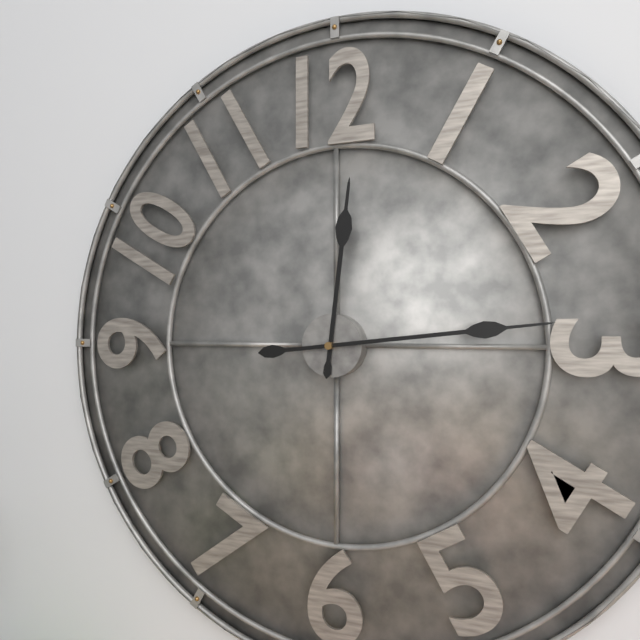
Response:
12.14
